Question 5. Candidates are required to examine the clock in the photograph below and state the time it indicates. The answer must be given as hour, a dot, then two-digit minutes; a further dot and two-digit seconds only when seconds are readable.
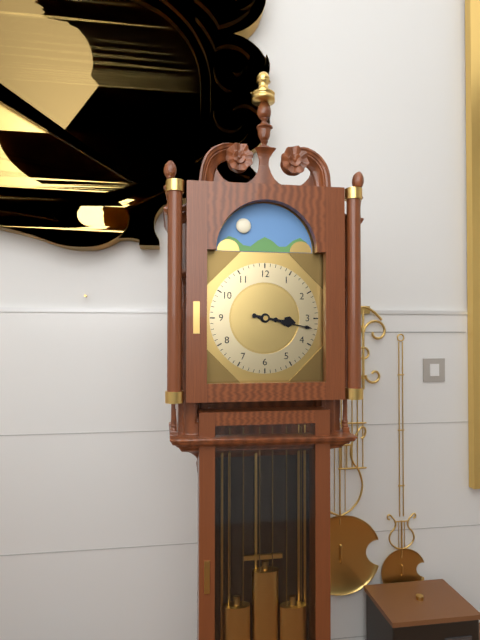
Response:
3.17
